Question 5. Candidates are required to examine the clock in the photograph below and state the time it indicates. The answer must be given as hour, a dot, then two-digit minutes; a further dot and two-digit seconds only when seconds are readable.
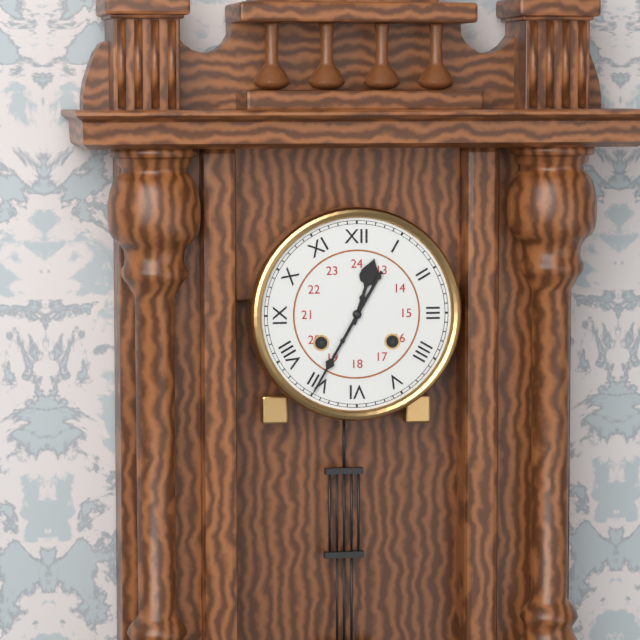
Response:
12.35
